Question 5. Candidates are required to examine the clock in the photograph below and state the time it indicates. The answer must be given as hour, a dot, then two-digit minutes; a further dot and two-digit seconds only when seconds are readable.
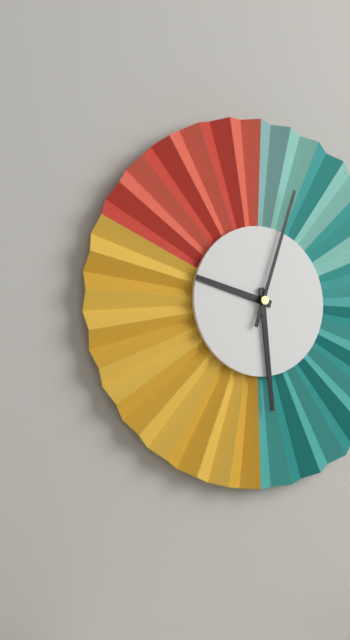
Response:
9.29.03
